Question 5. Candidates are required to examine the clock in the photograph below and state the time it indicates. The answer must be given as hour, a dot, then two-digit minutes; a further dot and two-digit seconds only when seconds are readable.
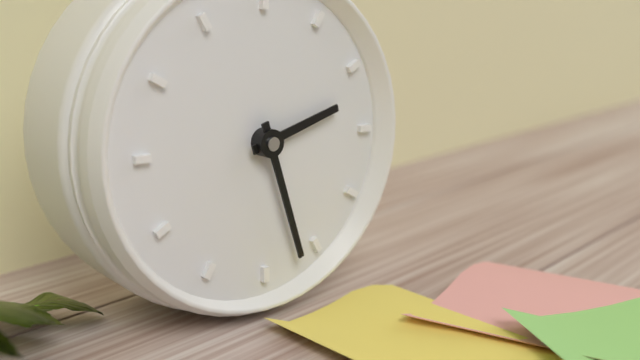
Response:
2.27
